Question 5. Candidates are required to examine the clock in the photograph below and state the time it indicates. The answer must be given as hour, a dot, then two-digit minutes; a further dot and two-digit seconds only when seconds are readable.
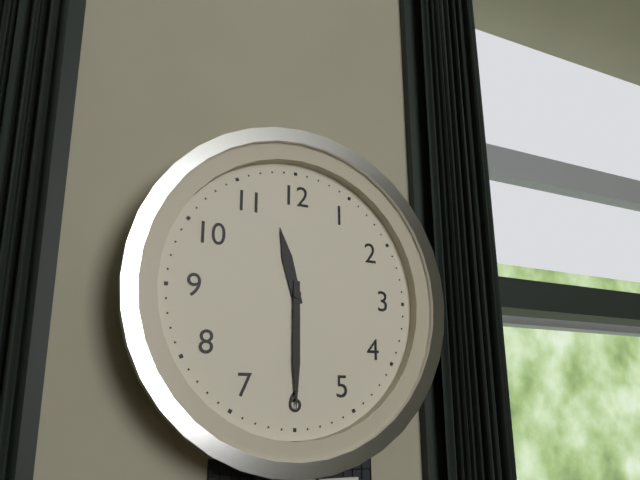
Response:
11.30
